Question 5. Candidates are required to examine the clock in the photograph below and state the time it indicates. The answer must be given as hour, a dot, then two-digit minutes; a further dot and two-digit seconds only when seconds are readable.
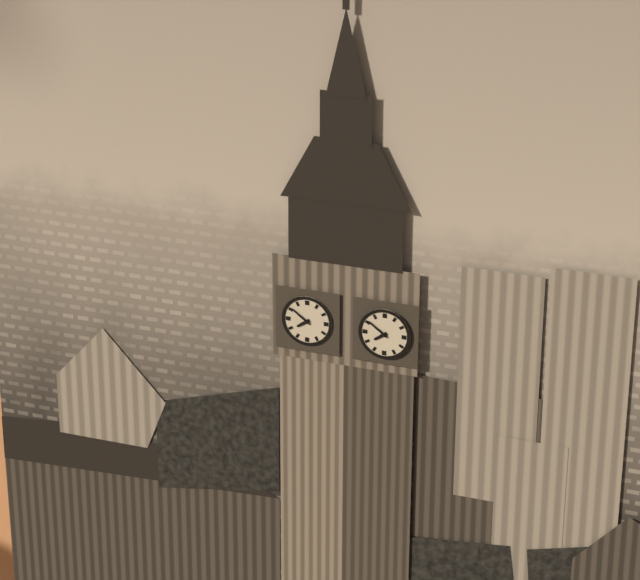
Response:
7.51
